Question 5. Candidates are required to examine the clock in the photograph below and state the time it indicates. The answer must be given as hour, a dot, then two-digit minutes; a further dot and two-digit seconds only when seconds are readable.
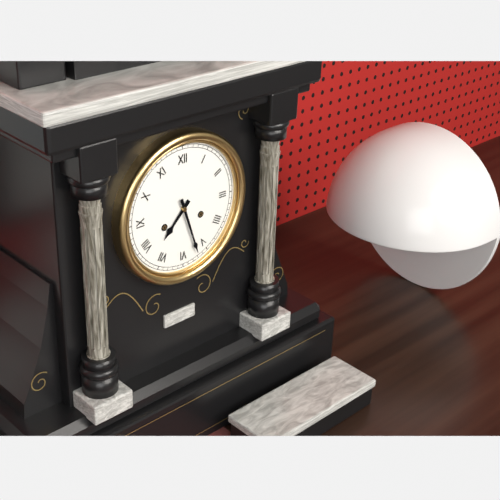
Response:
7.27
